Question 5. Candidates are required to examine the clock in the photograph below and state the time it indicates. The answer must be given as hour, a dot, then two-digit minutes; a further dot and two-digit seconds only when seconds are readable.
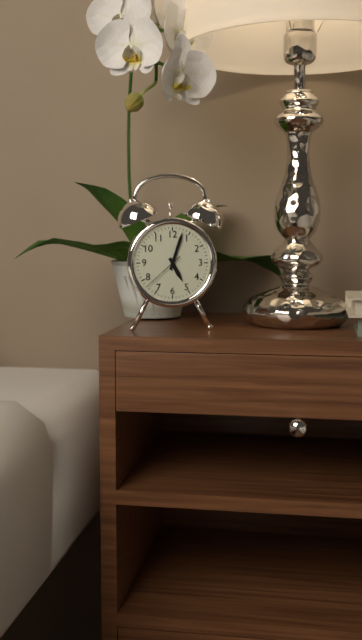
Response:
5.03
